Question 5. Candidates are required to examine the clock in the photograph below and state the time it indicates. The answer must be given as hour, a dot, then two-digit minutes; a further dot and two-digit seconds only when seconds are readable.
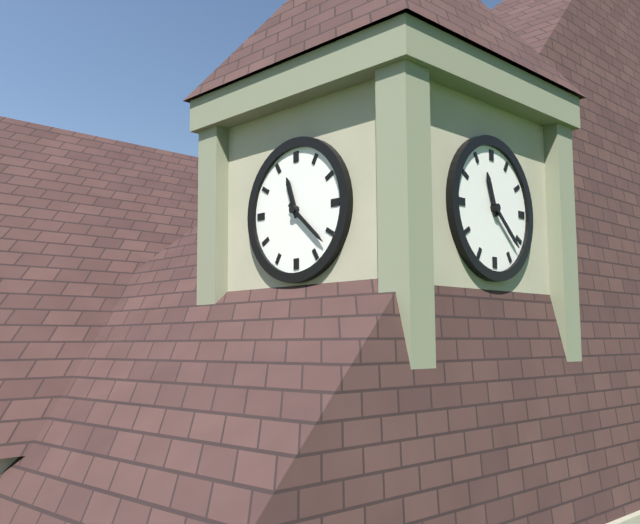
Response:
11.22
